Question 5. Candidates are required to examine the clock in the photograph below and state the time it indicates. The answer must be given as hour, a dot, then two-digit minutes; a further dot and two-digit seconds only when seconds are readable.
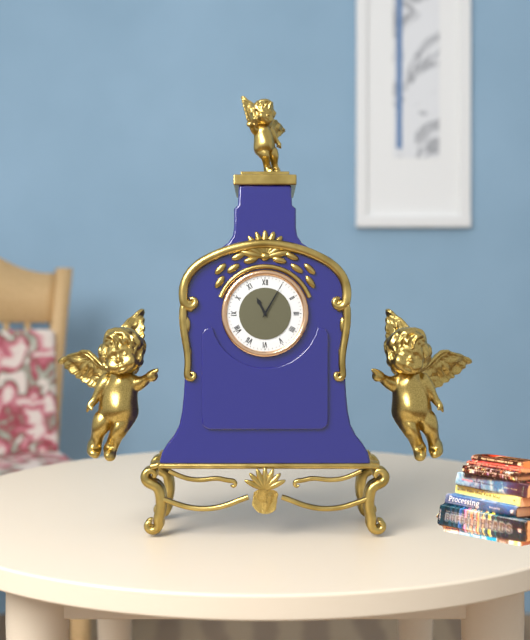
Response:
11.05
